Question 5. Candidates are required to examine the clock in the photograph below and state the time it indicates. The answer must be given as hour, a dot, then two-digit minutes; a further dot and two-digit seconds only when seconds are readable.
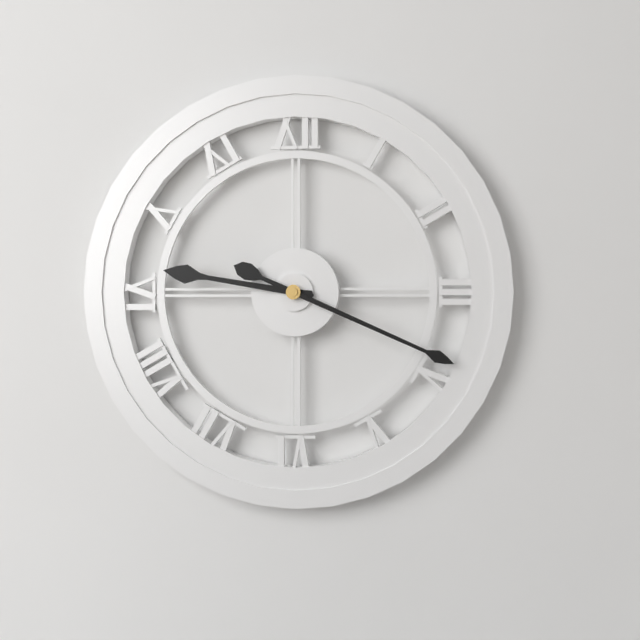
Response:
9.19
